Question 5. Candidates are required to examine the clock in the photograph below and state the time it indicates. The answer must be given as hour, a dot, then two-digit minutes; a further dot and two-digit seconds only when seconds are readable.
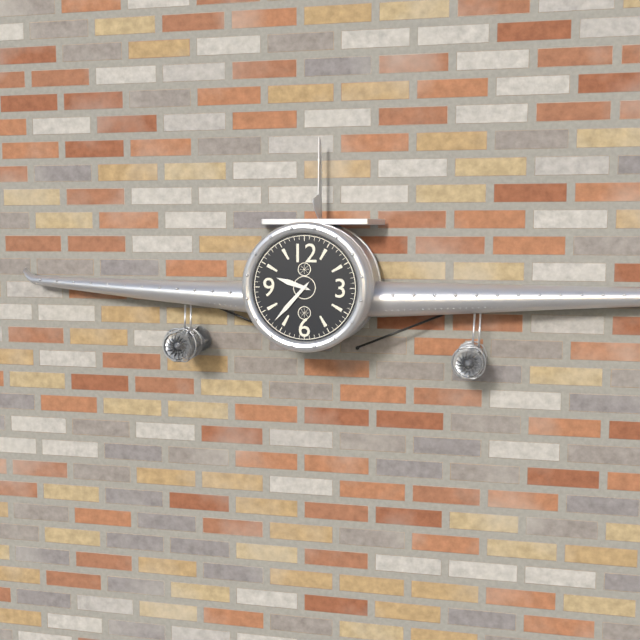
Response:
9.37
